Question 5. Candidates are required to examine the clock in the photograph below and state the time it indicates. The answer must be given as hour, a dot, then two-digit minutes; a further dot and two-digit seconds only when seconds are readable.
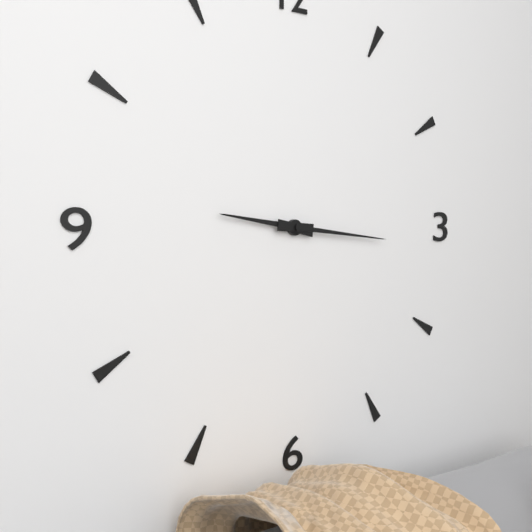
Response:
9.16
